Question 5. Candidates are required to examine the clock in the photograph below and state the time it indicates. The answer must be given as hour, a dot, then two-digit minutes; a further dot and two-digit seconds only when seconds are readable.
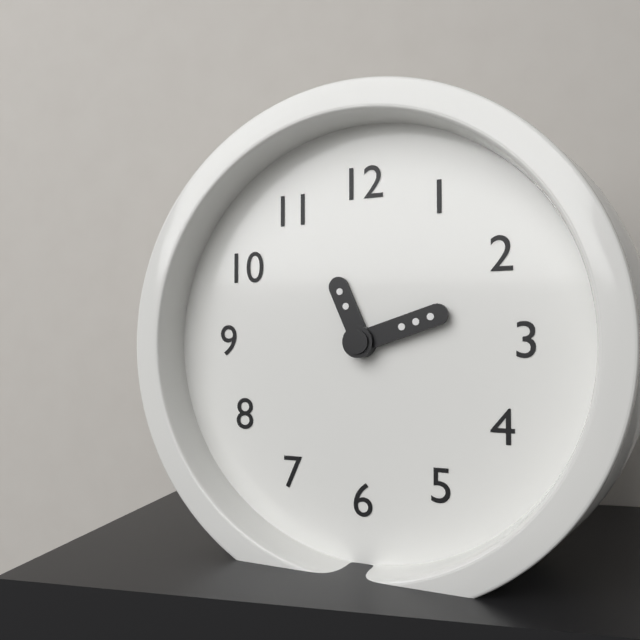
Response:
11.12
